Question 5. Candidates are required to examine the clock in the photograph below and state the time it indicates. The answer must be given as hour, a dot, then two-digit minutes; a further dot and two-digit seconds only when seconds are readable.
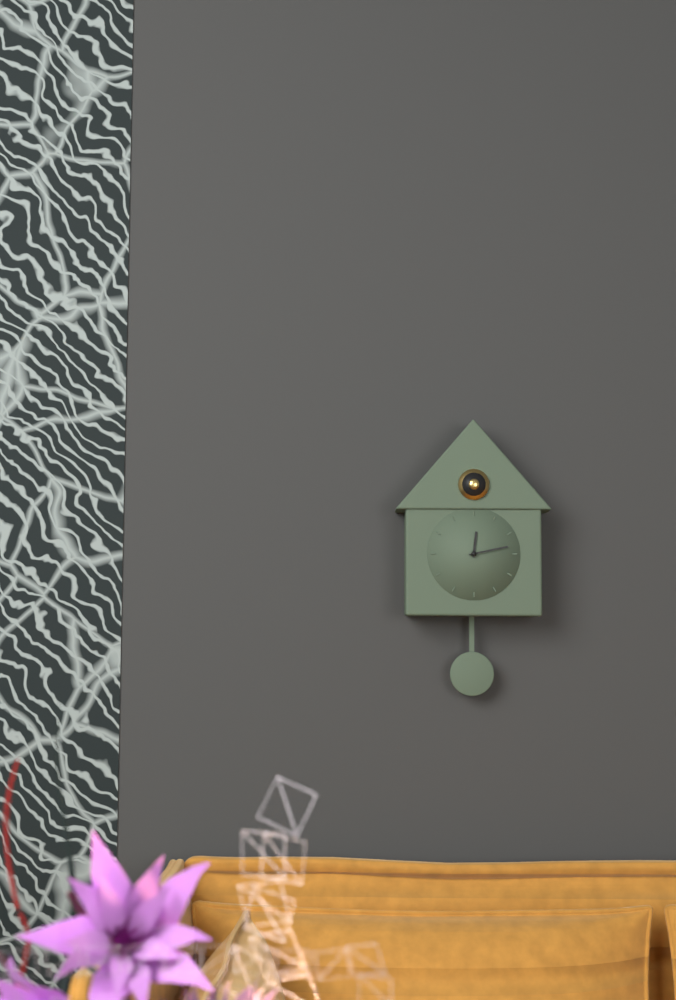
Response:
12.13
